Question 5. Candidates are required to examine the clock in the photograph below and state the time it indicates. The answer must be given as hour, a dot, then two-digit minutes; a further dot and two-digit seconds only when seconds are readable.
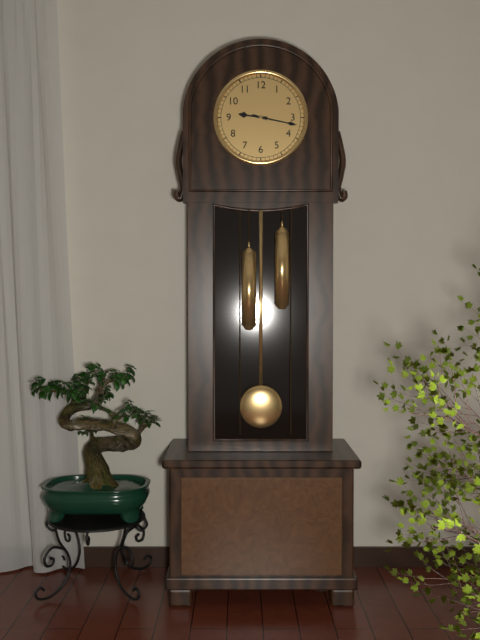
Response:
9.17
